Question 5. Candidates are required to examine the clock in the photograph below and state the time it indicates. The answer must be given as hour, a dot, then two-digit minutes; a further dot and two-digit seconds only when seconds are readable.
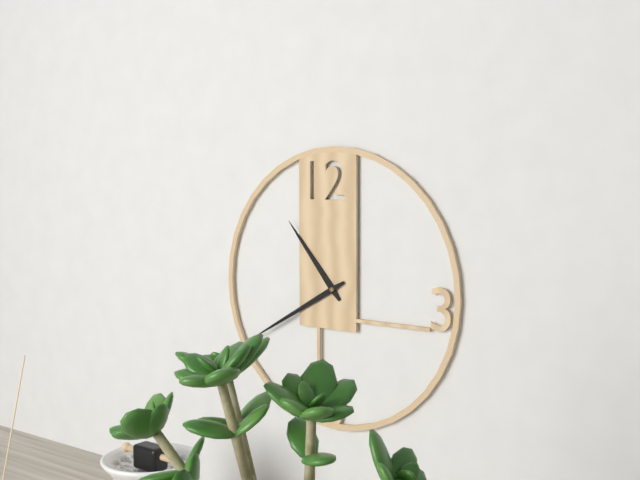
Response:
10.40
